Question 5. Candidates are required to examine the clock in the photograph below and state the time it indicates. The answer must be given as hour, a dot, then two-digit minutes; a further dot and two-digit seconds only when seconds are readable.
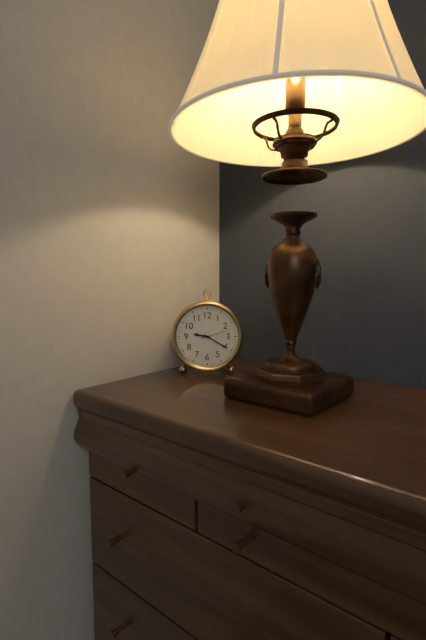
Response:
9.20
